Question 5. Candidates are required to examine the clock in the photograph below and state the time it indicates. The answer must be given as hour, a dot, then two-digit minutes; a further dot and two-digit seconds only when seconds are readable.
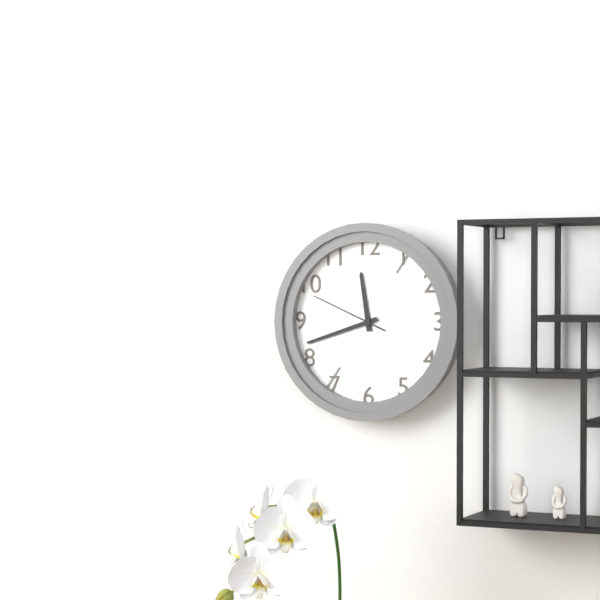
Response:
11.42.49
